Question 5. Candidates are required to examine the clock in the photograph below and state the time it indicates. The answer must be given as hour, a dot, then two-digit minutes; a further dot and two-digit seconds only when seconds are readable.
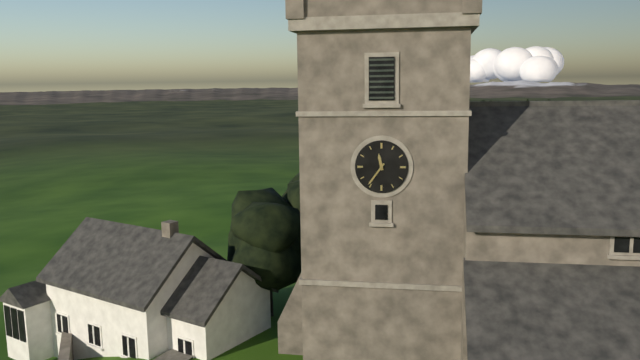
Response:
11.36
